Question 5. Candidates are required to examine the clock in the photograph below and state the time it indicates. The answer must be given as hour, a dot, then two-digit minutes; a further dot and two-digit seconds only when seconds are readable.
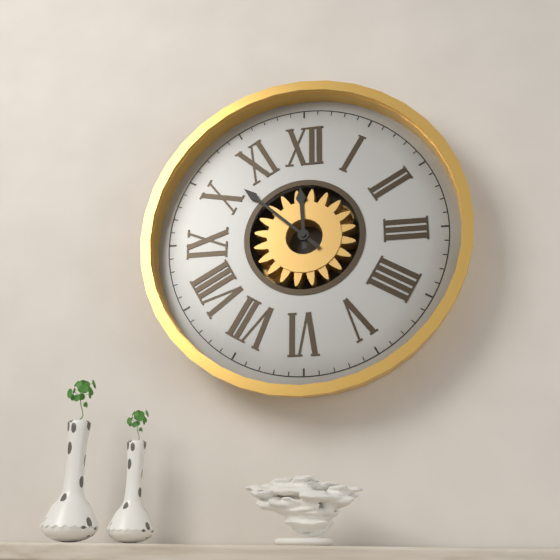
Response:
11.52
